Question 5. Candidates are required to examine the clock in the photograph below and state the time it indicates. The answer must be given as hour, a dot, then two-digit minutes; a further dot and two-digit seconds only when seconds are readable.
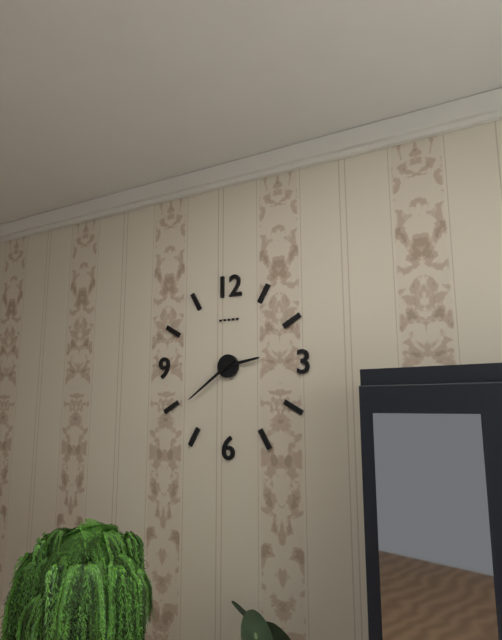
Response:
2.39
